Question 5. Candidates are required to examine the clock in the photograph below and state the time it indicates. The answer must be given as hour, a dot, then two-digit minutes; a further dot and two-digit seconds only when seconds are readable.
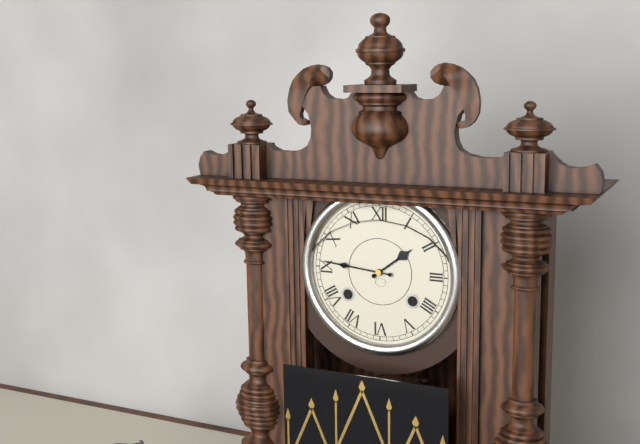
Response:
1.46
